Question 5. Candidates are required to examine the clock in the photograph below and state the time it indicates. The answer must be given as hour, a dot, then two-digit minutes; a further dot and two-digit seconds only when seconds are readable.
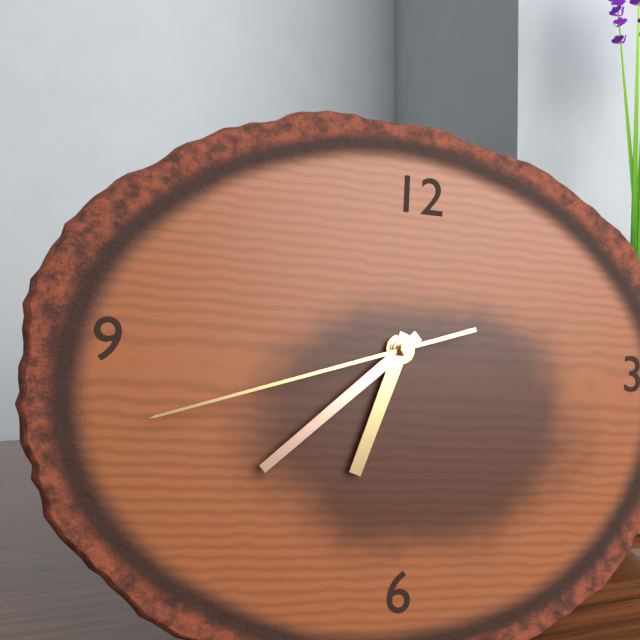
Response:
6.38.42
